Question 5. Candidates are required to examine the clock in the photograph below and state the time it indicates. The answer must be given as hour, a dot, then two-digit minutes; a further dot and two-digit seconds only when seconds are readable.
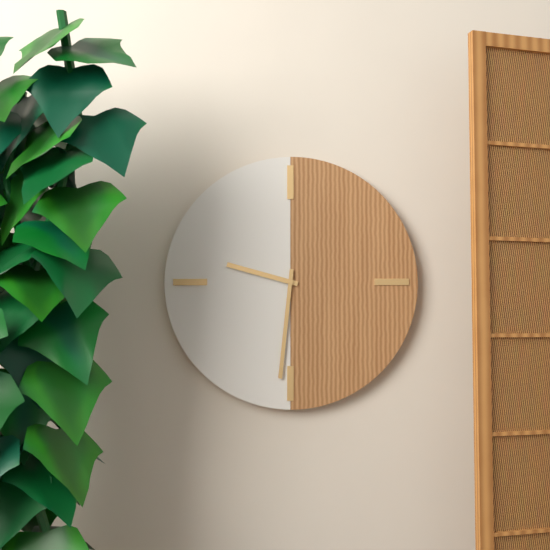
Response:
9.31
